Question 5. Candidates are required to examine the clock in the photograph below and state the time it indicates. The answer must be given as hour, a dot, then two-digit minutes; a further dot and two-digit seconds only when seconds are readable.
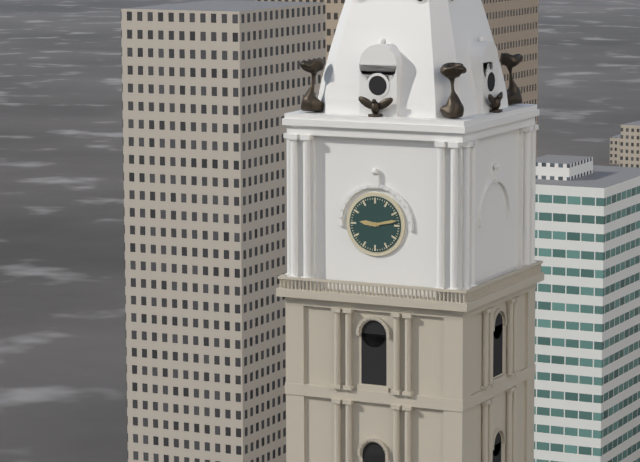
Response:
9.13
